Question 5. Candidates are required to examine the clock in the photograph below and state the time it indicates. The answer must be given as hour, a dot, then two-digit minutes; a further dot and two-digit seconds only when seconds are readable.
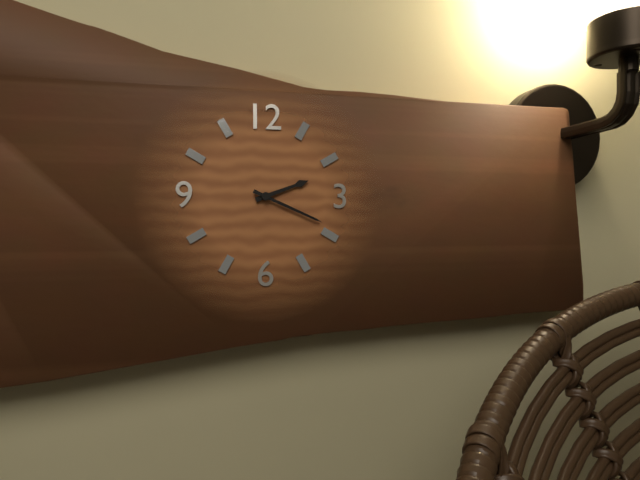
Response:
2.19
